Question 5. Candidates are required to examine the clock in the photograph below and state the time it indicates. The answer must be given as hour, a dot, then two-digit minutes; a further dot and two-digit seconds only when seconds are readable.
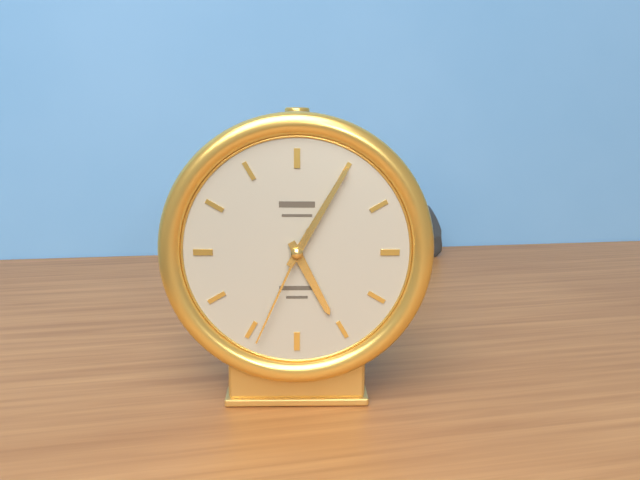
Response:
5.05.34
